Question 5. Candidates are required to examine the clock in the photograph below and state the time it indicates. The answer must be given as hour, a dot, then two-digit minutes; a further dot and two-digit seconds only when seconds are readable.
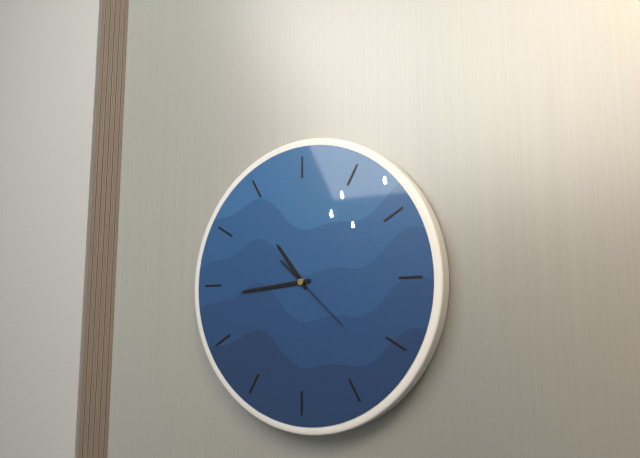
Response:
10.44.22
